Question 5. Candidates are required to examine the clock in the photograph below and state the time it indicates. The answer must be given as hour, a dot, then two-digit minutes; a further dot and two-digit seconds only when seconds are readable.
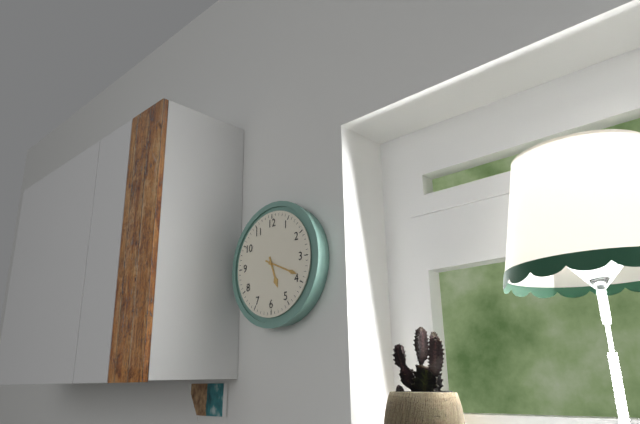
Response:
5.19
